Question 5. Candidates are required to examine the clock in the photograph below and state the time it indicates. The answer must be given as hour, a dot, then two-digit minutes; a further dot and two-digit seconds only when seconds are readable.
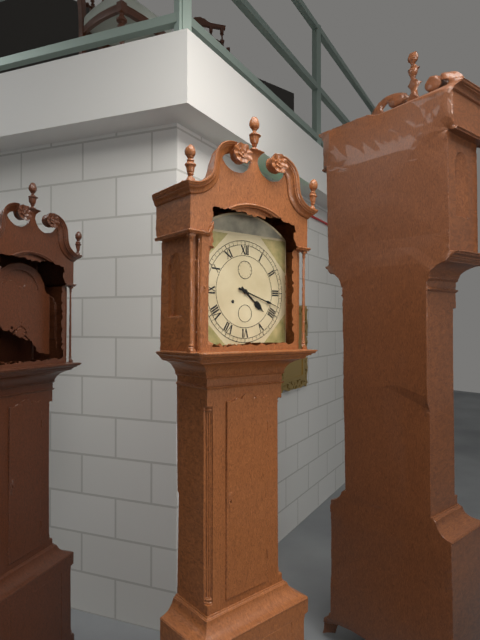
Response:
4.18
